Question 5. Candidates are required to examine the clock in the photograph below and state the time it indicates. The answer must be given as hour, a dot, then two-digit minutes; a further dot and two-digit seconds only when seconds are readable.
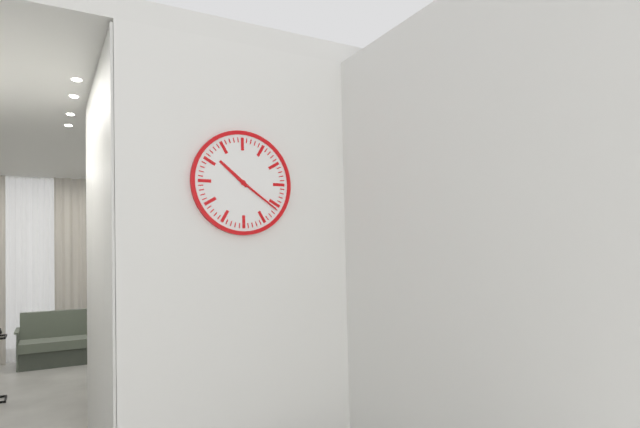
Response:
10.21
